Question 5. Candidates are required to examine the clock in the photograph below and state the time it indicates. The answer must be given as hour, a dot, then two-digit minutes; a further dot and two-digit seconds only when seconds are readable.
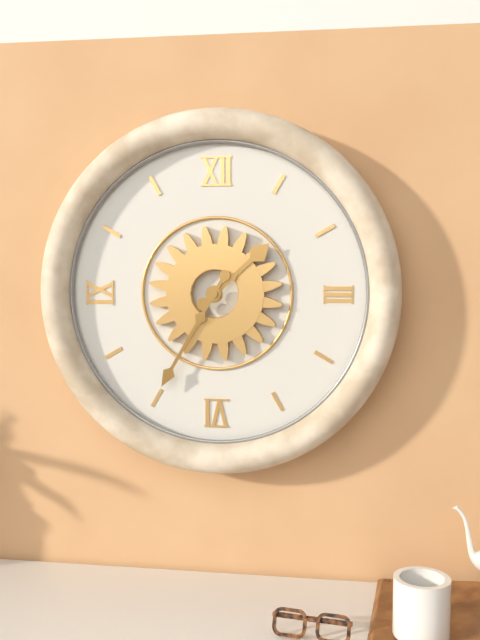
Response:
1.35
